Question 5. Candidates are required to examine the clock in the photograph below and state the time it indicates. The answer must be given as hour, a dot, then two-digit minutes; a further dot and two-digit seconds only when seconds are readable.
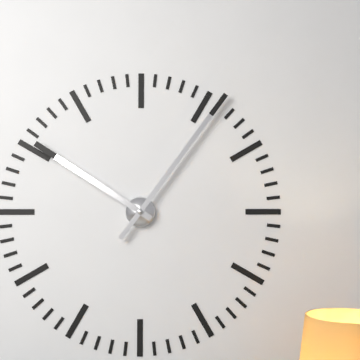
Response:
10.06
